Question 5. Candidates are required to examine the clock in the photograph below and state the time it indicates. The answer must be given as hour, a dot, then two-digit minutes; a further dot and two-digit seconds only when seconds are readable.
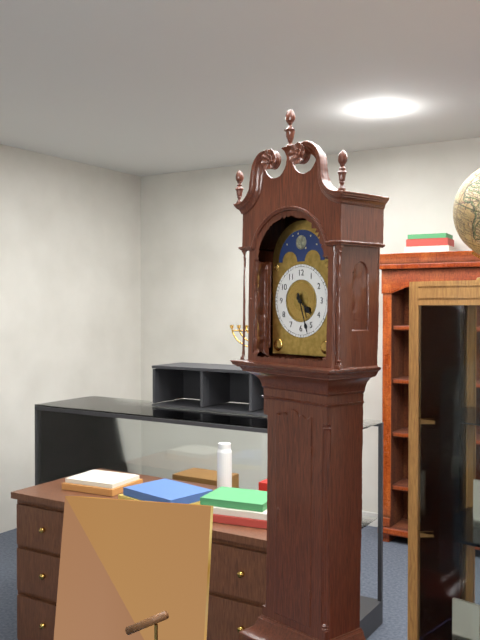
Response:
4.27
